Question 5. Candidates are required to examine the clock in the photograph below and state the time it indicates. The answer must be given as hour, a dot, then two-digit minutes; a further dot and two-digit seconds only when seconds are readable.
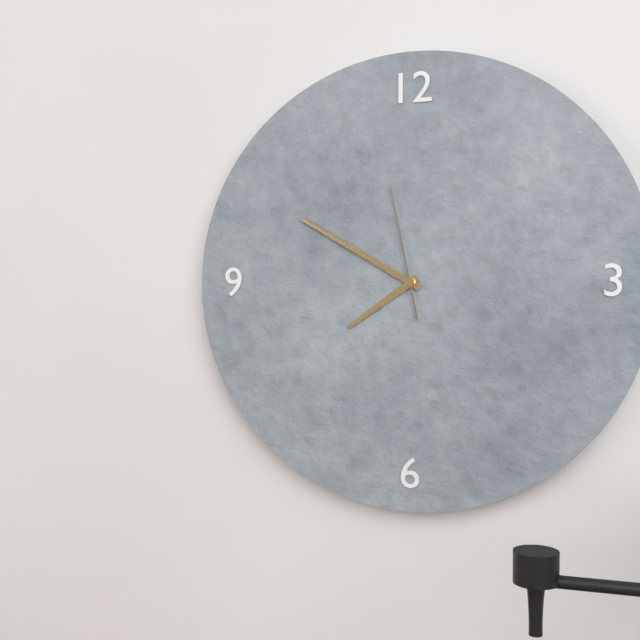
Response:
7.50.58
